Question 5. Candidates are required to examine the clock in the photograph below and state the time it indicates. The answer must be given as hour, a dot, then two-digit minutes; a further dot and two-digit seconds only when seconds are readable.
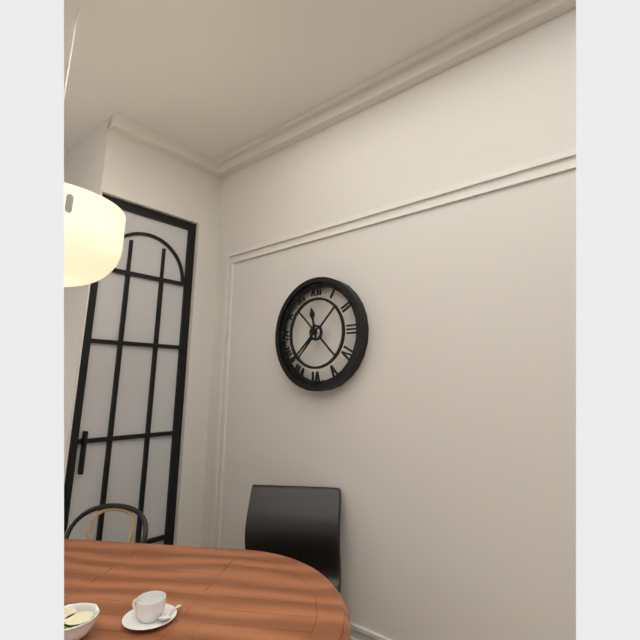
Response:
11.38
